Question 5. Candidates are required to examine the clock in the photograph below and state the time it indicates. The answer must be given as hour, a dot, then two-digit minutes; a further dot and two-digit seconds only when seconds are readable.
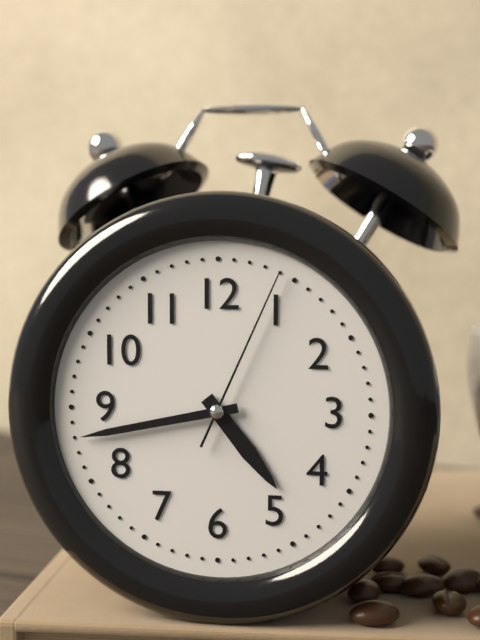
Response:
4.43.04
